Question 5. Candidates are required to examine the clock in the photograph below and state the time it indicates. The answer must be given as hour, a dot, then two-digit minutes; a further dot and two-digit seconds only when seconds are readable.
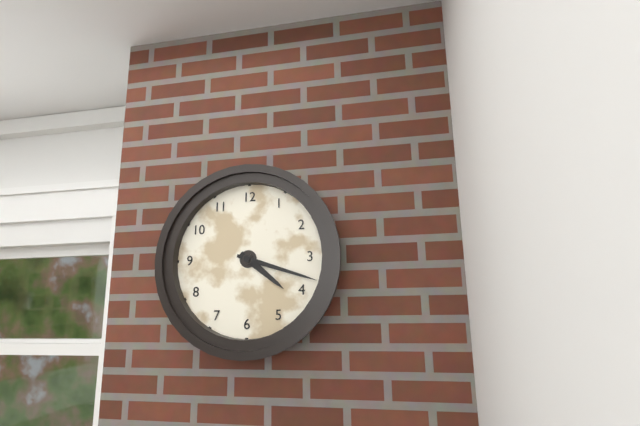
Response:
4.18
